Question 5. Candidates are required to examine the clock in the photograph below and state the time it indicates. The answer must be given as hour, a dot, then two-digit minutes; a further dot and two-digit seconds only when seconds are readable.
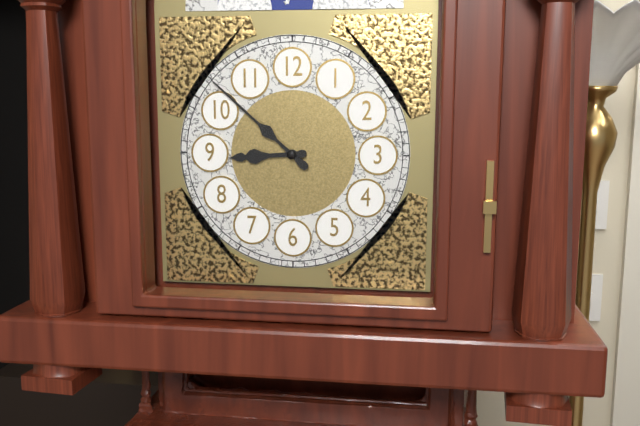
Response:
8.52
